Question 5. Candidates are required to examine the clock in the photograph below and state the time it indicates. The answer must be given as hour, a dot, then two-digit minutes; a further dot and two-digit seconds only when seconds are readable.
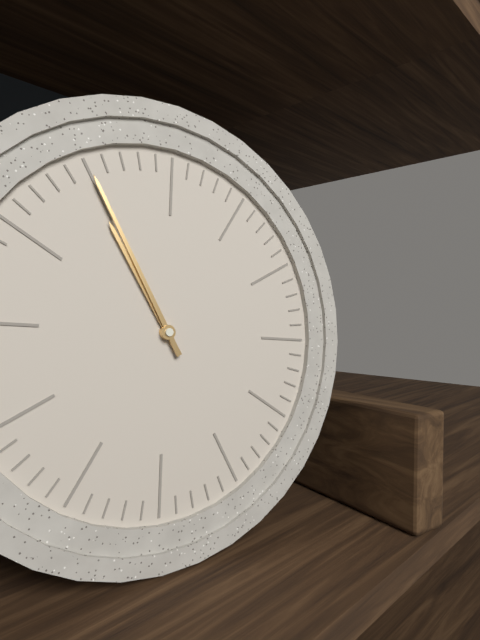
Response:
10.55
